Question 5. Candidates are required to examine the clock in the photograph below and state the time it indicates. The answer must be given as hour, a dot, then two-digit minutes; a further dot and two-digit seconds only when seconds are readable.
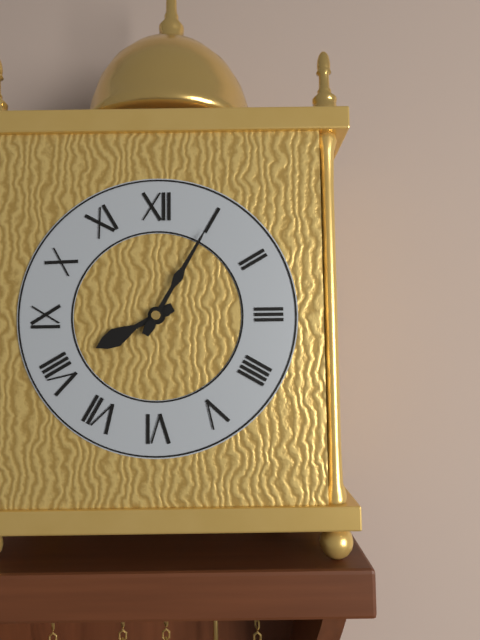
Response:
8.05
